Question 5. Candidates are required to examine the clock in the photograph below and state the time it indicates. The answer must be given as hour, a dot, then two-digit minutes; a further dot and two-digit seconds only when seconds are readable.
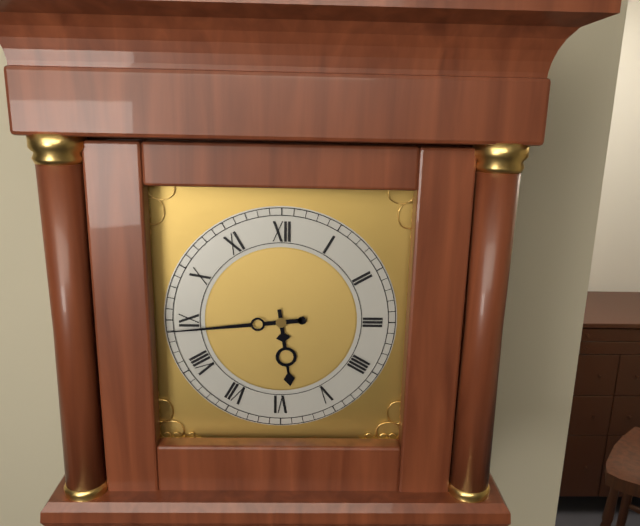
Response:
5.44
